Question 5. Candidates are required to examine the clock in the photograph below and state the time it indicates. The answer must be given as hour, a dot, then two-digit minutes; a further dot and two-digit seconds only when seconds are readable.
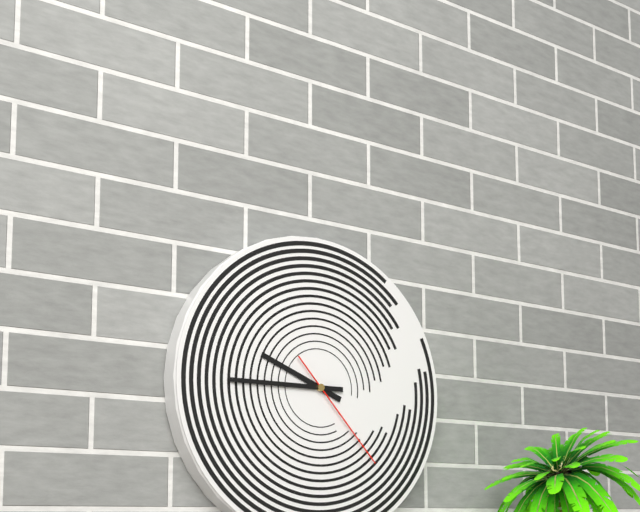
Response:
9.45.23
